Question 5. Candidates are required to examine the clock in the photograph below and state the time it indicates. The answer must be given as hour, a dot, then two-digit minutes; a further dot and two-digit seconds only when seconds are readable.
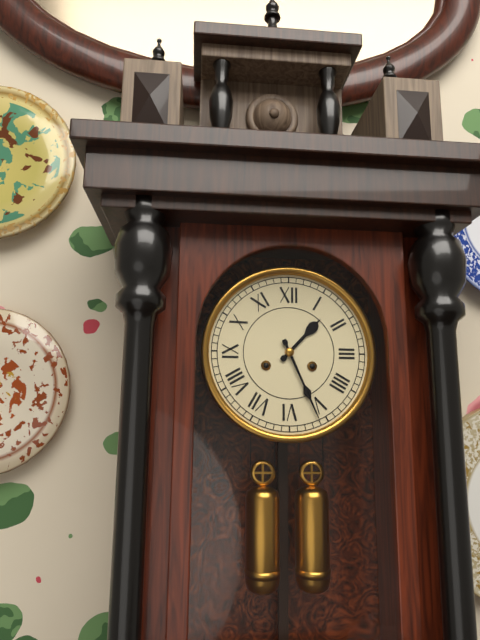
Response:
1.26
